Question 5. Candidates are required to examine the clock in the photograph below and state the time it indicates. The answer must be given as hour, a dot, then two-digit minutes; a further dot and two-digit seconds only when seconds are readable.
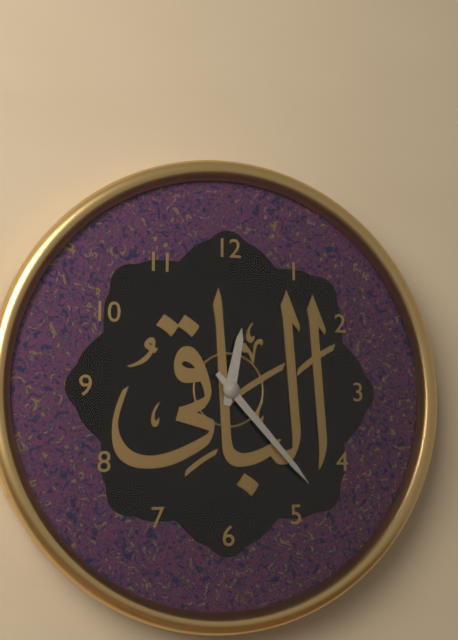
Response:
12.23
